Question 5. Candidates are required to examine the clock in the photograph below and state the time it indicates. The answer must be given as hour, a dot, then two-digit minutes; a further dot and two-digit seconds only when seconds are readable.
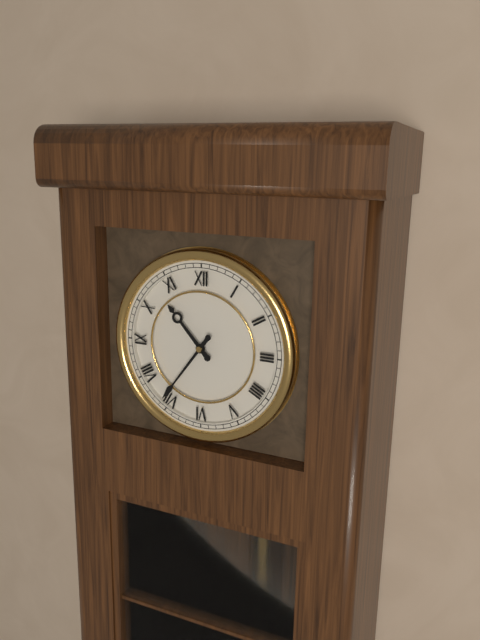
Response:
10.36
